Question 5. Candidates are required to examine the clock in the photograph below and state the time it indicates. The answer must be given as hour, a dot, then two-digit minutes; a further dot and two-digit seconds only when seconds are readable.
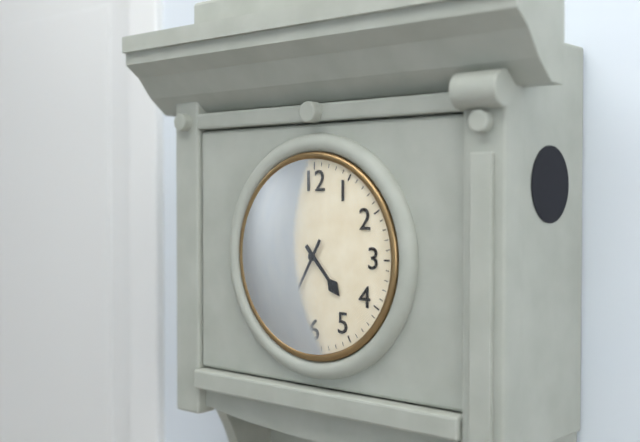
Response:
4.35
